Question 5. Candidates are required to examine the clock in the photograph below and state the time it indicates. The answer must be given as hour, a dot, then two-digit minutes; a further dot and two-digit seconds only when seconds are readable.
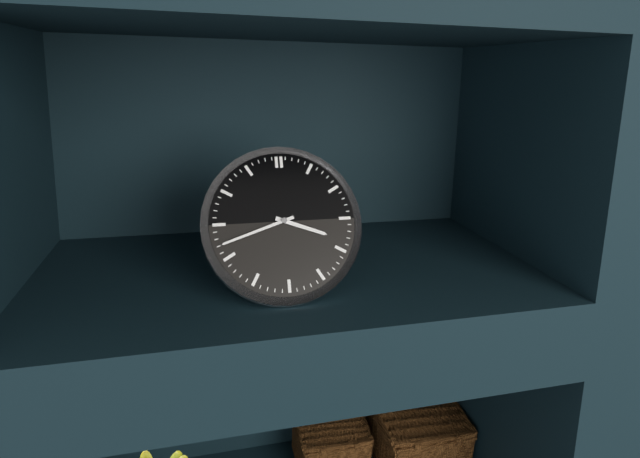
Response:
3.42
